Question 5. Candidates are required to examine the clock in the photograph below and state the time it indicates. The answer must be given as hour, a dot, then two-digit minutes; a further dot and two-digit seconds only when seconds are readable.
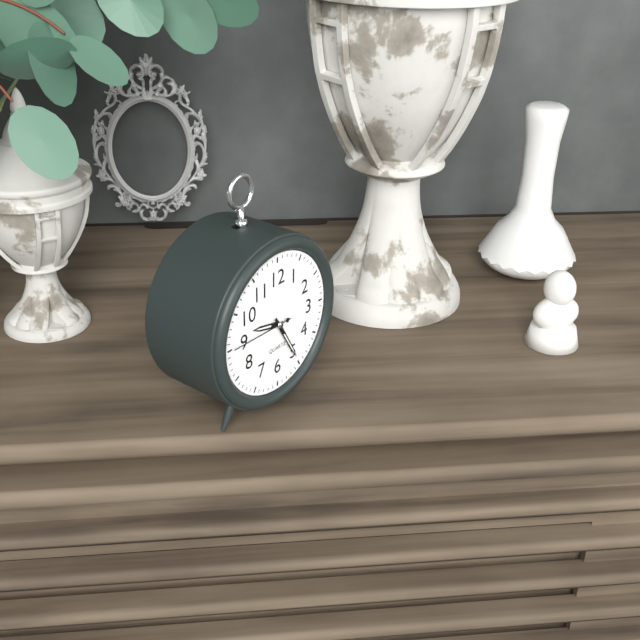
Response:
9.25.45
